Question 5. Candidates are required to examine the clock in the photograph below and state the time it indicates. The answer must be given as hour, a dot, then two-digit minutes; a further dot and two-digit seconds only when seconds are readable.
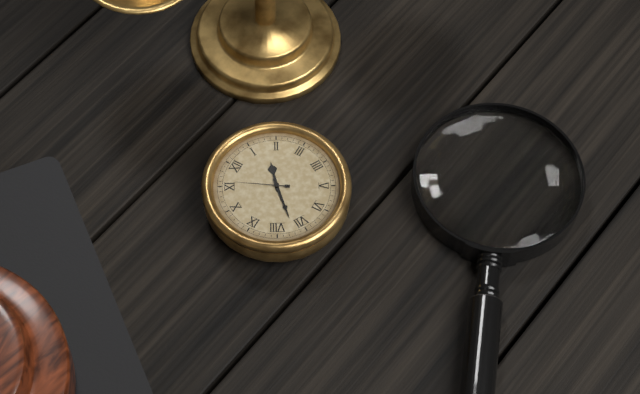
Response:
1.37.56
